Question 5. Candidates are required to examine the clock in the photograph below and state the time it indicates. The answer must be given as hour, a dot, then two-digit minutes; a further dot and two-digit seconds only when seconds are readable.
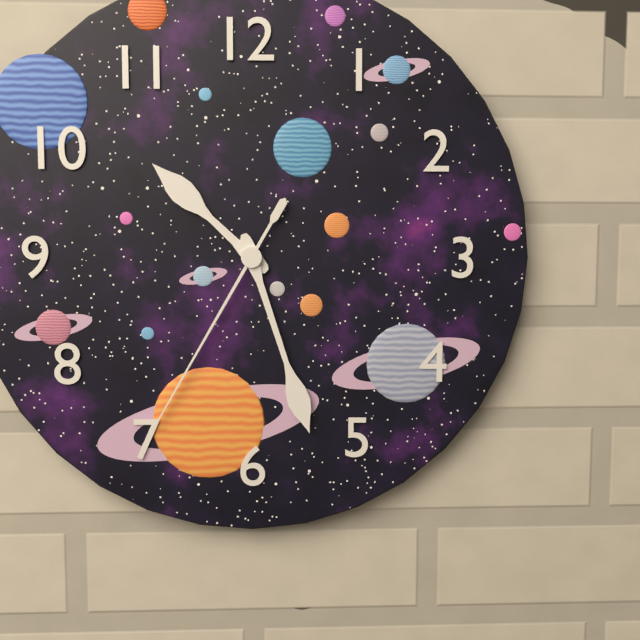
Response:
10.27.35
